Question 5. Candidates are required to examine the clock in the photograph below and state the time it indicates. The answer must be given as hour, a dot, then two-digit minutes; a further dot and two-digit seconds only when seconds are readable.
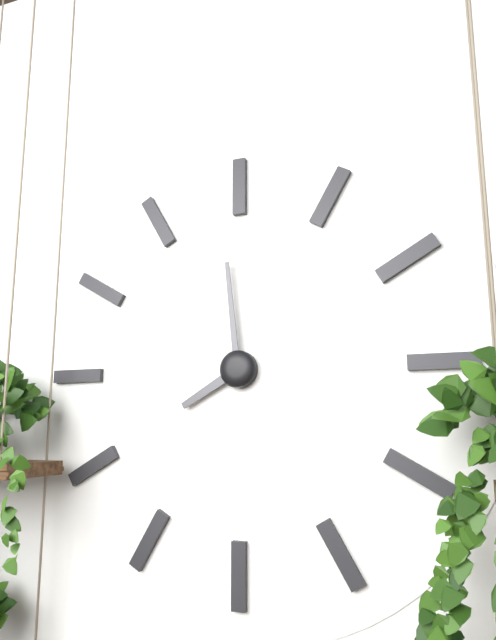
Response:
7.59
